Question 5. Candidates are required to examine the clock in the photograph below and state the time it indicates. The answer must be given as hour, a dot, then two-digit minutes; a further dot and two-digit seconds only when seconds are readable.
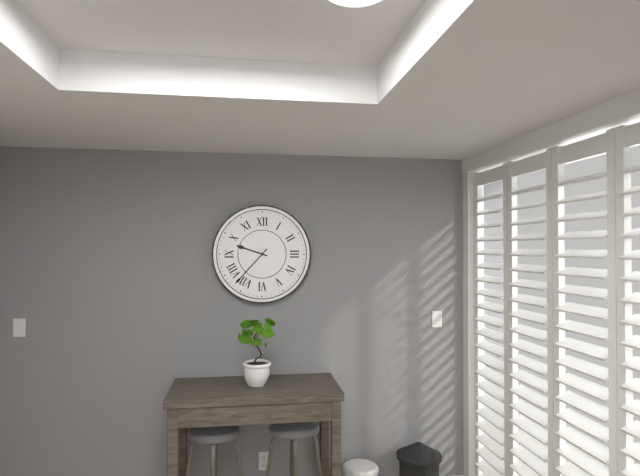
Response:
9.37
